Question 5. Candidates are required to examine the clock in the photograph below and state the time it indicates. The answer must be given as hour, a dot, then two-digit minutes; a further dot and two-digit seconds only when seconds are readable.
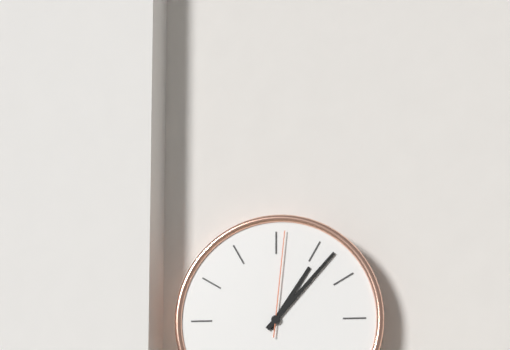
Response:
1.07.01
